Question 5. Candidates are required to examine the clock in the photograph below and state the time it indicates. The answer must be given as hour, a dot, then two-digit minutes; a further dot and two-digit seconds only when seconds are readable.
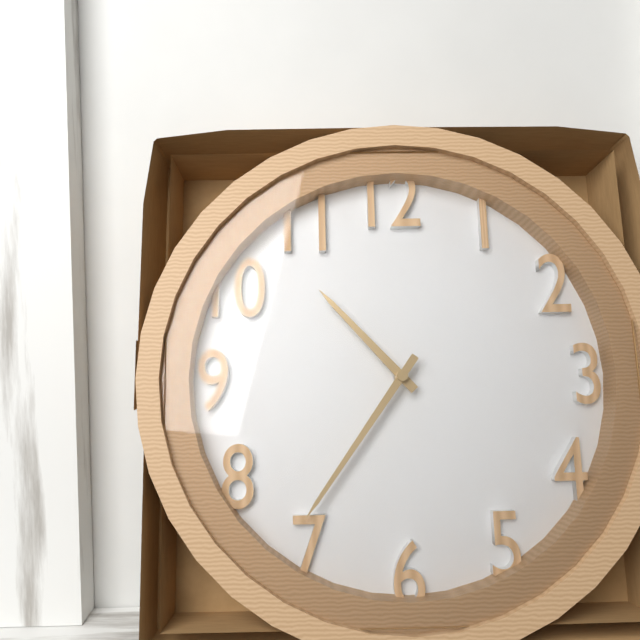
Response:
10.36
